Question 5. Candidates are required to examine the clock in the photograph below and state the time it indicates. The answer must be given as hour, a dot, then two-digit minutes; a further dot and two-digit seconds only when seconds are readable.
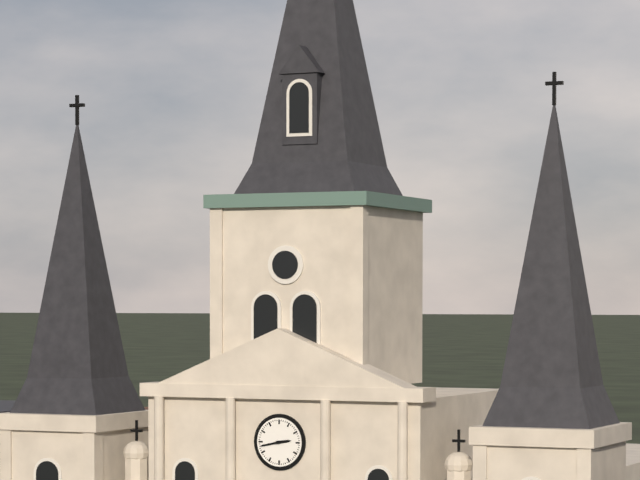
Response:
2.43
